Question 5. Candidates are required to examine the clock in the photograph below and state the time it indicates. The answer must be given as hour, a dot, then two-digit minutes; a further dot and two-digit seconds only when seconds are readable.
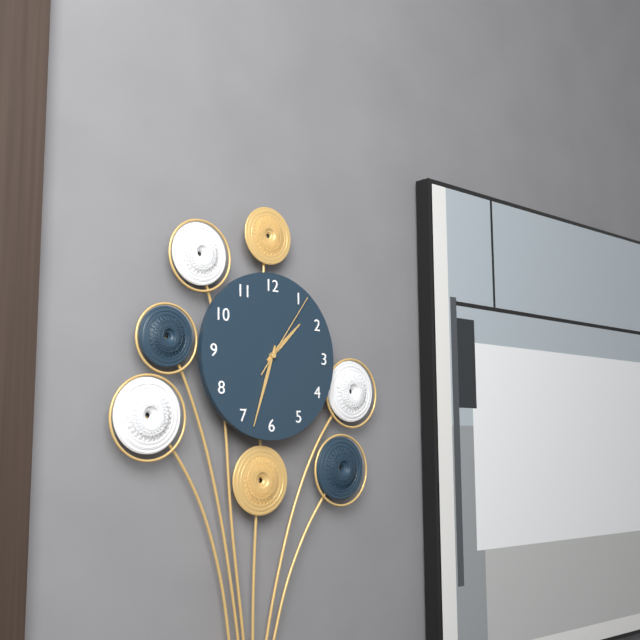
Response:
1.33.06
